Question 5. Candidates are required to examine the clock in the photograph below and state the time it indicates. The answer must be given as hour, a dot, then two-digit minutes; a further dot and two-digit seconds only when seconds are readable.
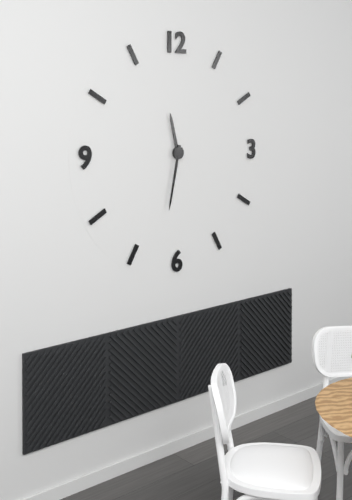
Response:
11.32
